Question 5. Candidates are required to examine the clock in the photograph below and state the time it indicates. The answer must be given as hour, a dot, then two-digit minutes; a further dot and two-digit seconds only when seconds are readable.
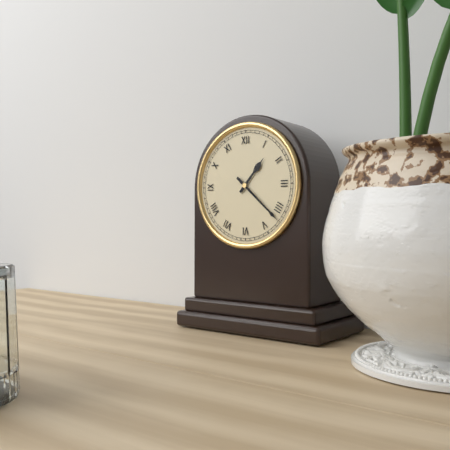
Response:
1.22
